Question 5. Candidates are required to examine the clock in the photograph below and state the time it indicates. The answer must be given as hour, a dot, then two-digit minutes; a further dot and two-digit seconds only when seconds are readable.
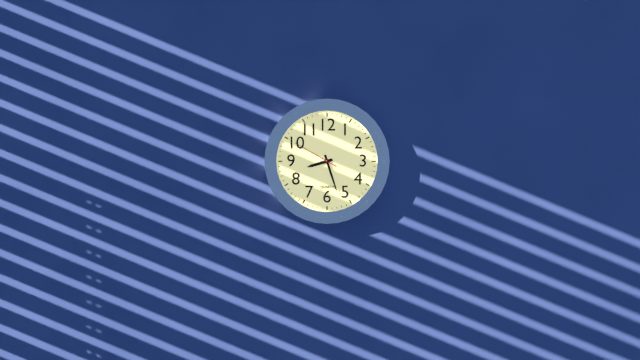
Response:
8.27
